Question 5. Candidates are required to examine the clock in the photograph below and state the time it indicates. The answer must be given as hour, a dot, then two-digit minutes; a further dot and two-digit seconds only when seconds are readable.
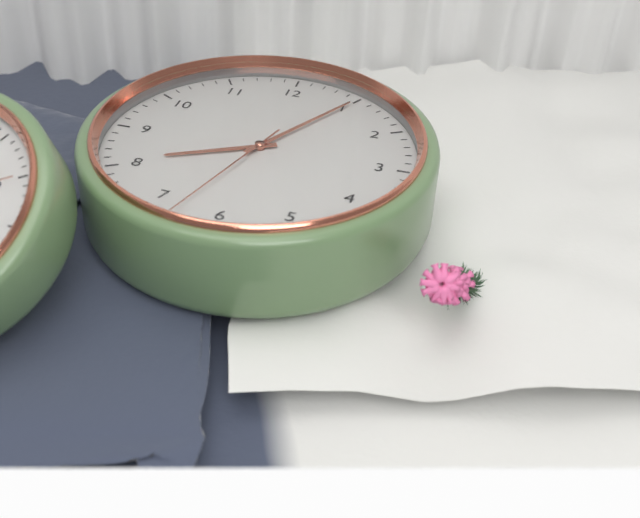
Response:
8.05.33
